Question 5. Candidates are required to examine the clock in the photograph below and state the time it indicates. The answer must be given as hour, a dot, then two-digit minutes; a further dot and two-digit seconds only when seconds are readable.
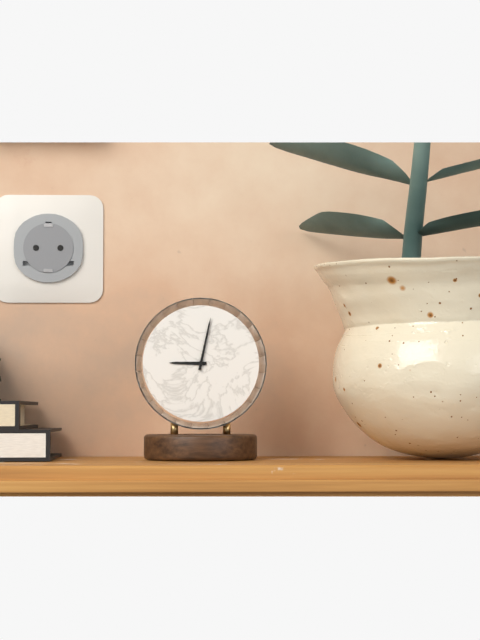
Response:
9.02
